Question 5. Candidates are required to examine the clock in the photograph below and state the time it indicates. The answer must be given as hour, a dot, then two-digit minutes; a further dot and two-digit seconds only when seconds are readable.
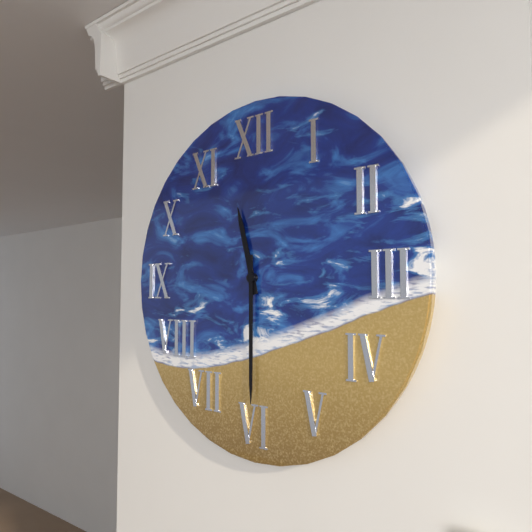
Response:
11.30
